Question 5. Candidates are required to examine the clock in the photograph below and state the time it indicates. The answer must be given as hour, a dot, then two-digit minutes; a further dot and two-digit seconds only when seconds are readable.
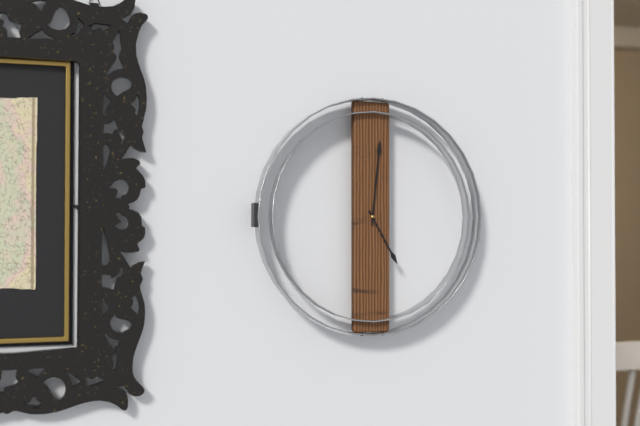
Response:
5.01
